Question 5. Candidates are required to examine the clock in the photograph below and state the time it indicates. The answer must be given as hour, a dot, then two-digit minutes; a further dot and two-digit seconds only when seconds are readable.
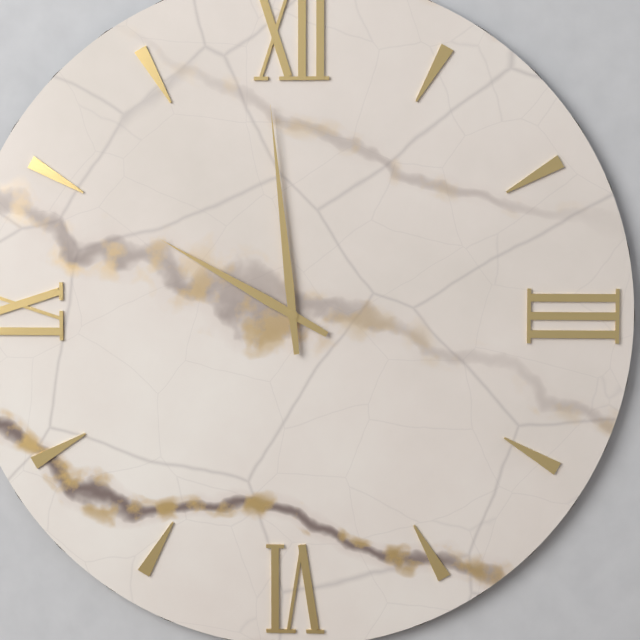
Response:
9.59
